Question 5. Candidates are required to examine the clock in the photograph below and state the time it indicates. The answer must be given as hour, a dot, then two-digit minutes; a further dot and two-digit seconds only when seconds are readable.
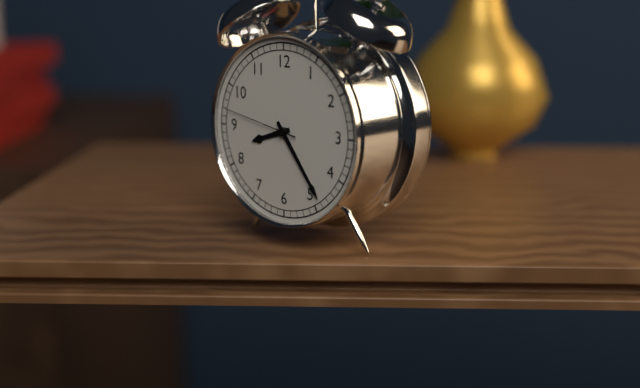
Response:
8.24.47
